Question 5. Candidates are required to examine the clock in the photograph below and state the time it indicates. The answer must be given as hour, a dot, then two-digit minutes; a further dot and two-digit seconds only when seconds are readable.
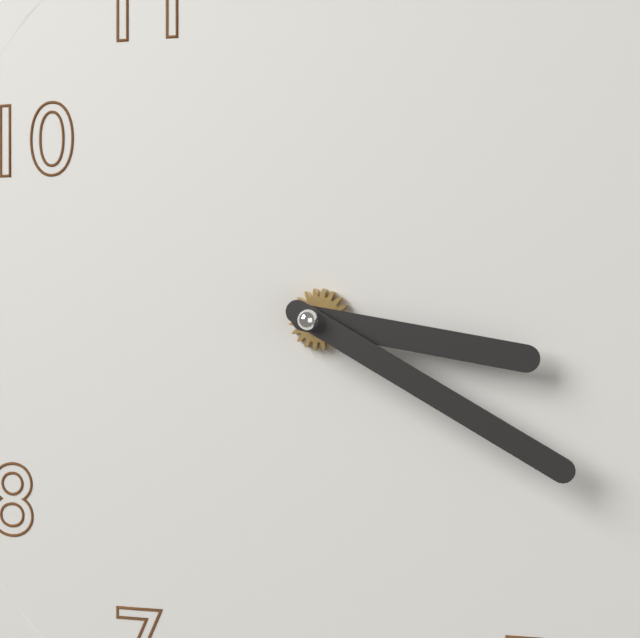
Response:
3.20
